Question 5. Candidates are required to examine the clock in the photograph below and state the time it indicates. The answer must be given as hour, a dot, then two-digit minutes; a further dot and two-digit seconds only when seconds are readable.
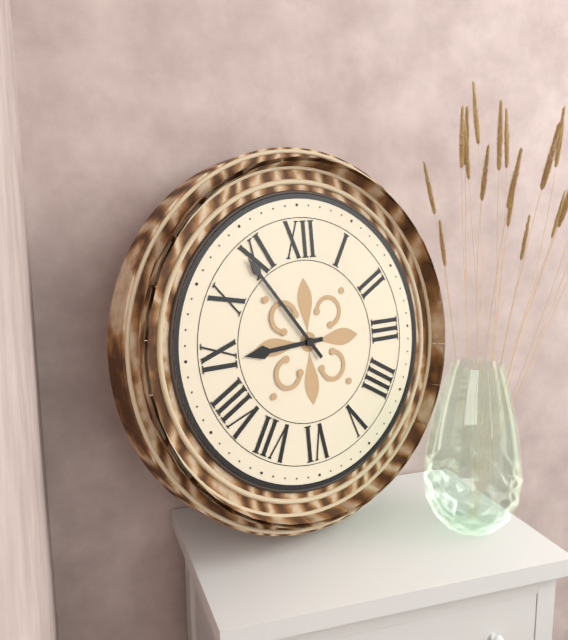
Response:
8.54
